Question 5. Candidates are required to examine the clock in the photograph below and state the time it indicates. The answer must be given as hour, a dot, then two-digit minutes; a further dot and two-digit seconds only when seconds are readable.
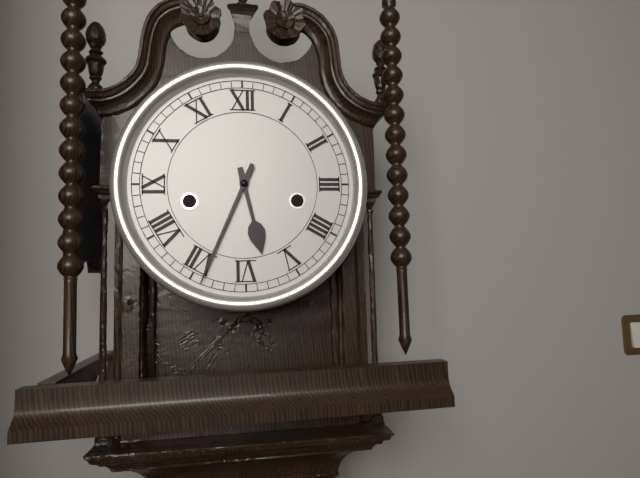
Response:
5.34
